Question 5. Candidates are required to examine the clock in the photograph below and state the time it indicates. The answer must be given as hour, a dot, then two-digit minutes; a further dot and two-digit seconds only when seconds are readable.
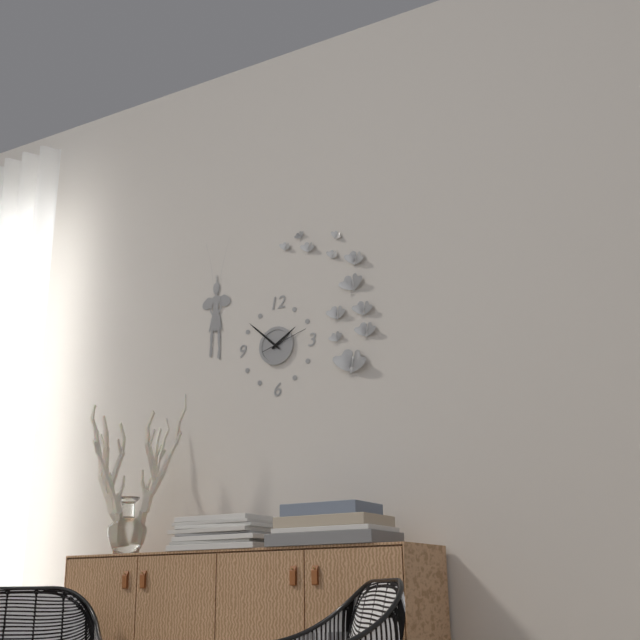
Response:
1.52
